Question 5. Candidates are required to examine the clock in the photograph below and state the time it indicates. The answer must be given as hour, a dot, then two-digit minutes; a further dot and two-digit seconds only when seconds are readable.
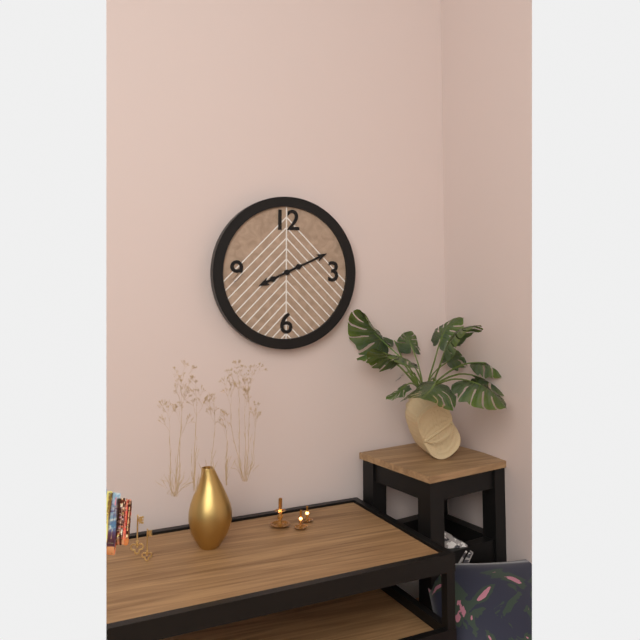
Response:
8.11
